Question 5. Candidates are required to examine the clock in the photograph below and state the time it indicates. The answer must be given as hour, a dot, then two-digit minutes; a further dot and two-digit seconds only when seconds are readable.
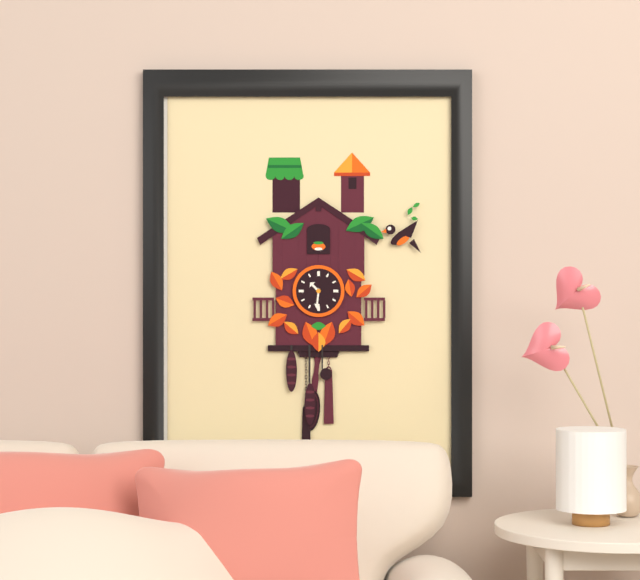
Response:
10.31
